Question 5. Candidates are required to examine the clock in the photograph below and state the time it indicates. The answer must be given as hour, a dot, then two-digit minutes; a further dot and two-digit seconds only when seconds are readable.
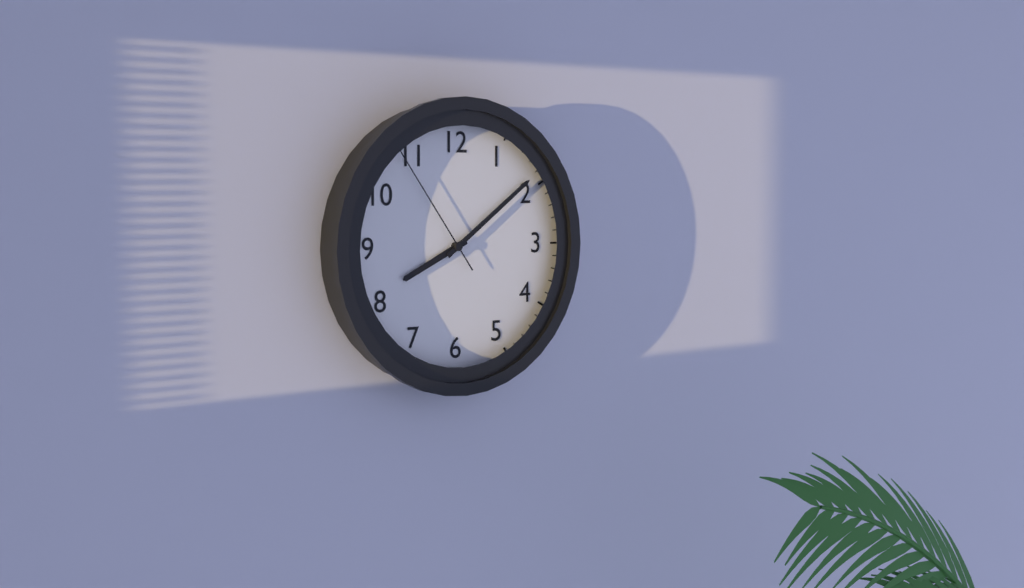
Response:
8.09.54
